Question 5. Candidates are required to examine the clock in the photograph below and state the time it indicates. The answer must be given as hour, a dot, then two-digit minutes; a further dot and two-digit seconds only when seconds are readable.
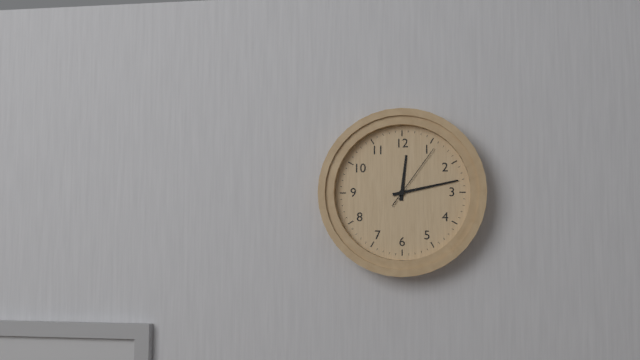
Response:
12.13.06
